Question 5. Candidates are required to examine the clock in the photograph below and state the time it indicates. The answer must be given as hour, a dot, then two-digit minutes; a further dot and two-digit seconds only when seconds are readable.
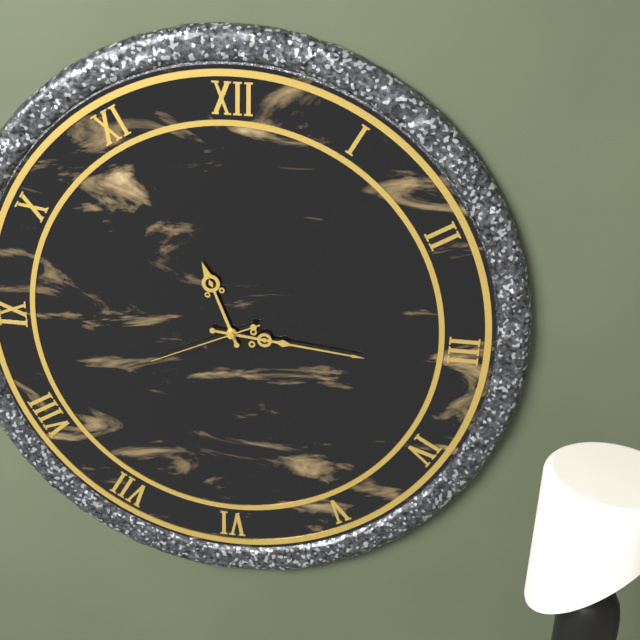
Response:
11.16.41
